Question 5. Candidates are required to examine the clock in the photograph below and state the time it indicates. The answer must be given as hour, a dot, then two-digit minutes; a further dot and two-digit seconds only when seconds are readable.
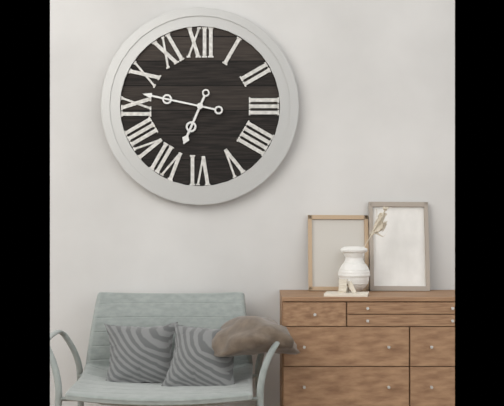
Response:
6.47
